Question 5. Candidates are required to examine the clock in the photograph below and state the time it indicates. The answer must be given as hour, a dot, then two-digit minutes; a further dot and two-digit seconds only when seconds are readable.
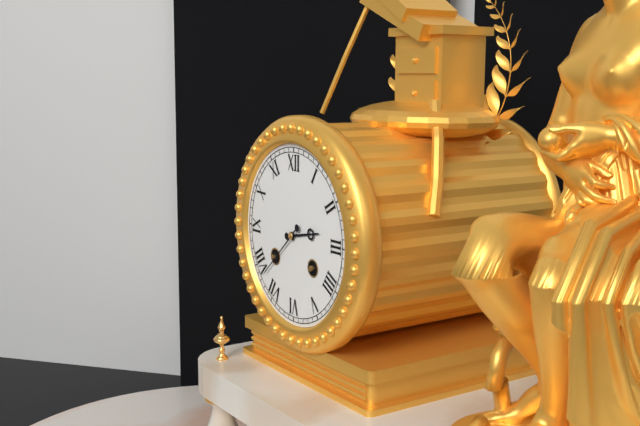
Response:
2.38
